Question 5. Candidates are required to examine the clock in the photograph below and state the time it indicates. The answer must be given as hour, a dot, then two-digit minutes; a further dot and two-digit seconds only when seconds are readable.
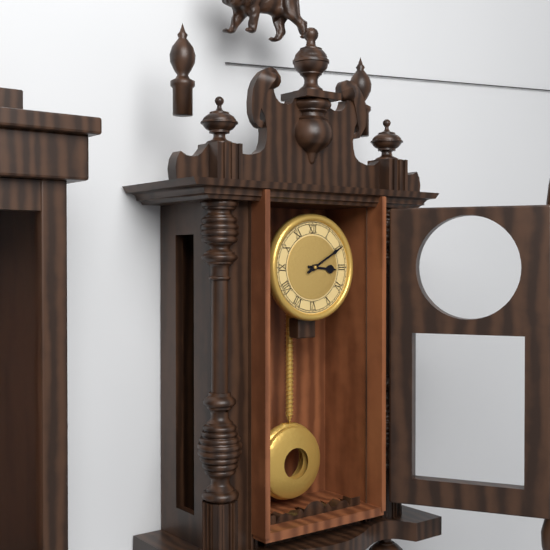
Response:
3.10
